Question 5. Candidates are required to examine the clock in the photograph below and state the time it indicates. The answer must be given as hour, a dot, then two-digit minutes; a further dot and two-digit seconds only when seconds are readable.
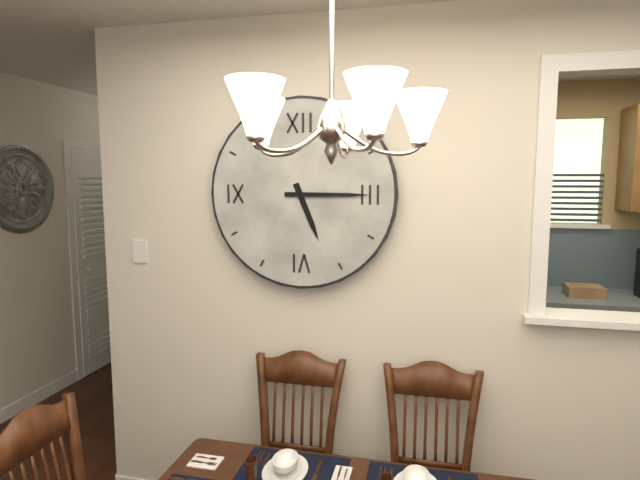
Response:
5.15
